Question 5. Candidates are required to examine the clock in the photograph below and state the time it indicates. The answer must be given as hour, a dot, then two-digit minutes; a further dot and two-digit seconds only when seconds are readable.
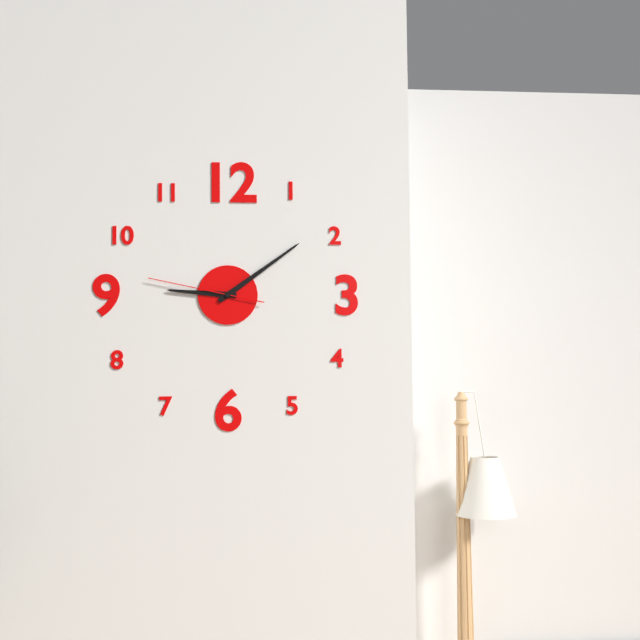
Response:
9.09.47
